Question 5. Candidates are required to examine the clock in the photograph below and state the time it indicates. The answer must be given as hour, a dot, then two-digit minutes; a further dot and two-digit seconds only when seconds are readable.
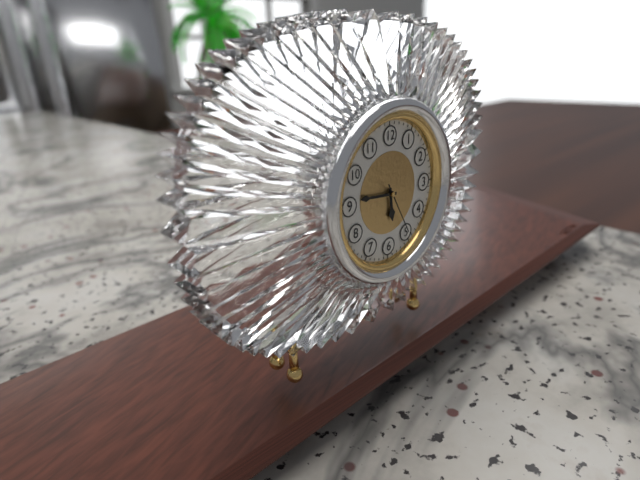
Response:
5.46.25
